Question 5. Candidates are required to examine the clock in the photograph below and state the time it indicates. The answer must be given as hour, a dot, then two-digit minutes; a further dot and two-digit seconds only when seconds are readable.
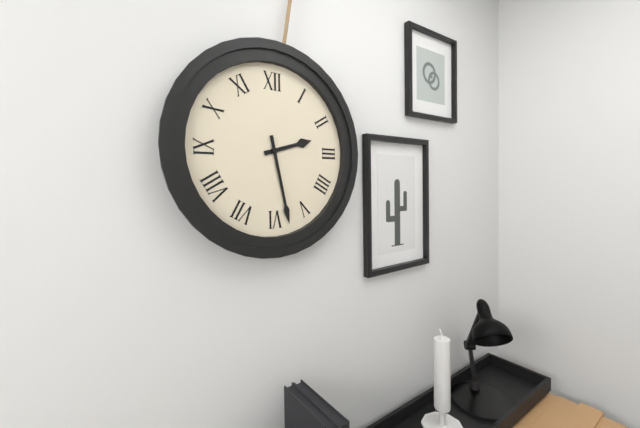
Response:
2.28
